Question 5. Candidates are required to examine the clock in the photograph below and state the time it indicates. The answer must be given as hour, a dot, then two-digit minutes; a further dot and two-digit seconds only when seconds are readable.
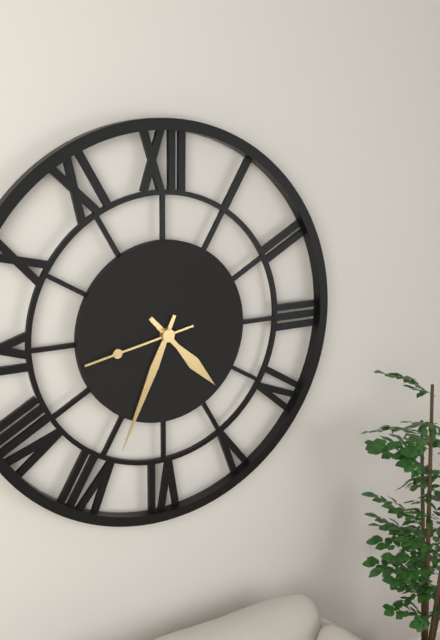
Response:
4.34.43
